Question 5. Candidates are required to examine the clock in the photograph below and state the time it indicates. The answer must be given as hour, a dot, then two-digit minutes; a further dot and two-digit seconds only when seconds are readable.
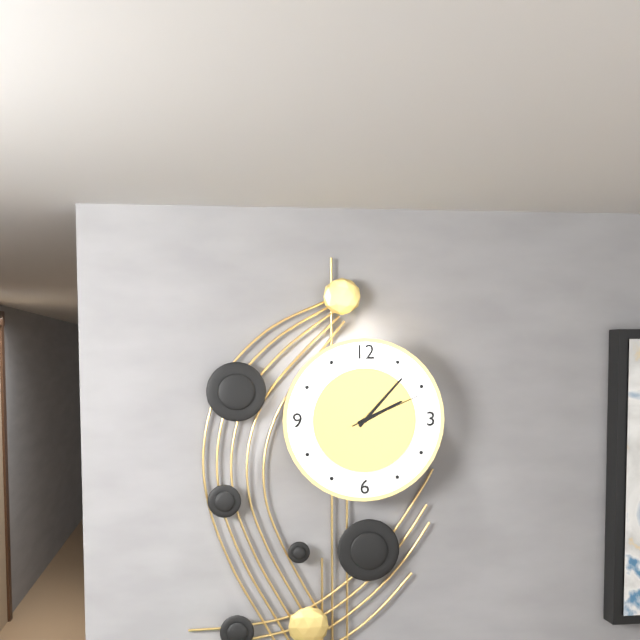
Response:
2.07.11
